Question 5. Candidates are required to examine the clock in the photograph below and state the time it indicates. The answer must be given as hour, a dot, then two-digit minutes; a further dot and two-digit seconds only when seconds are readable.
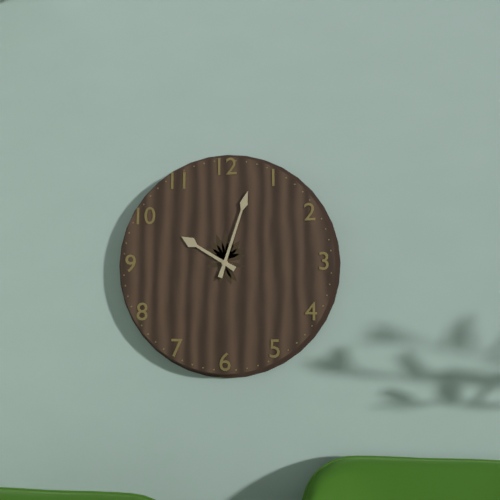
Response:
10.03
